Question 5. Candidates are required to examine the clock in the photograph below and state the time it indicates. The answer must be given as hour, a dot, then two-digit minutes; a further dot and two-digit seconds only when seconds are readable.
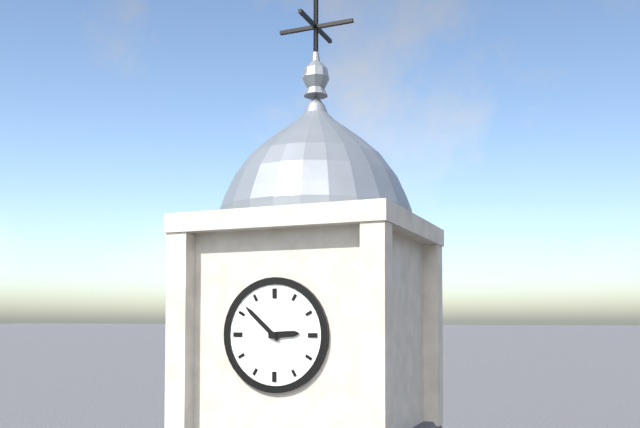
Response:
2.52
